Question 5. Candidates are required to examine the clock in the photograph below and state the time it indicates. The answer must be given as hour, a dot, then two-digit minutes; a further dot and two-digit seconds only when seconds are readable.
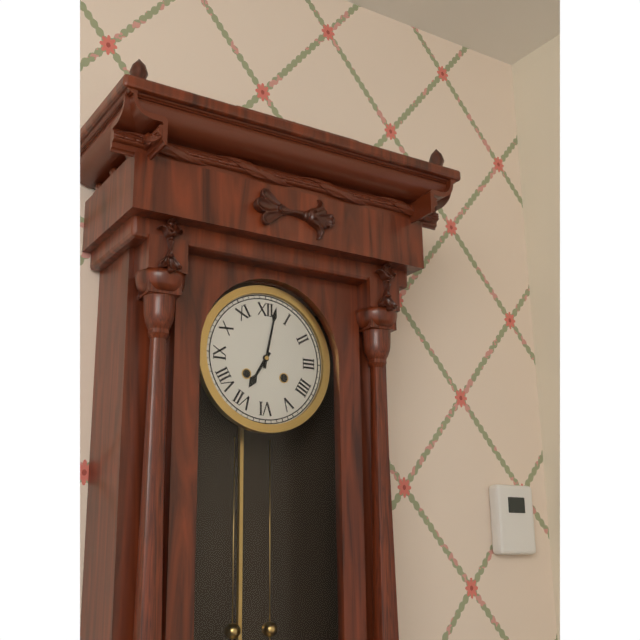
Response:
7.02
